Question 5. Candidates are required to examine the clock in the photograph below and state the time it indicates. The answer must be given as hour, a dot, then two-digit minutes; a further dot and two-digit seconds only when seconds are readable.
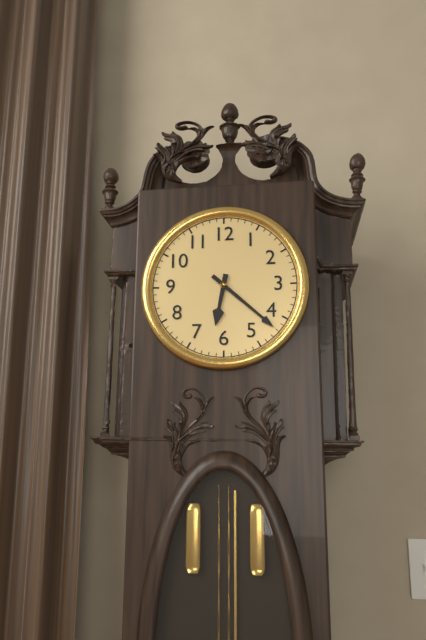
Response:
6.22
